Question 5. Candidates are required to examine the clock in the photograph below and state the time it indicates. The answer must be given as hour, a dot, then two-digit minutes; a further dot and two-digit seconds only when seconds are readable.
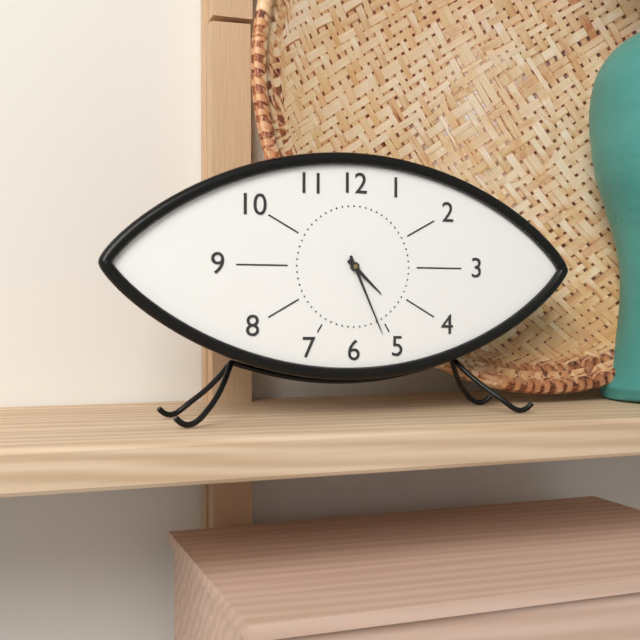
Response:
4.26
